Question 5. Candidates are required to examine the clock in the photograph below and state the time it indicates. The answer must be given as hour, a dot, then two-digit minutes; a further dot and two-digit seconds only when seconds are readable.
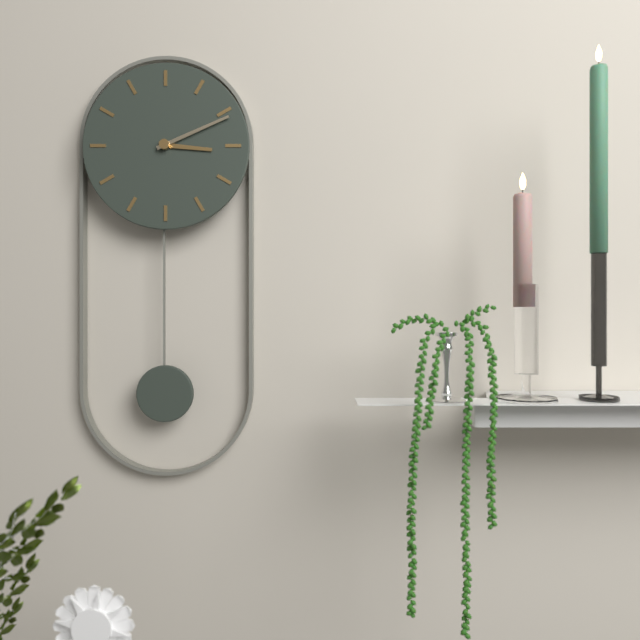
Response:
3.11
